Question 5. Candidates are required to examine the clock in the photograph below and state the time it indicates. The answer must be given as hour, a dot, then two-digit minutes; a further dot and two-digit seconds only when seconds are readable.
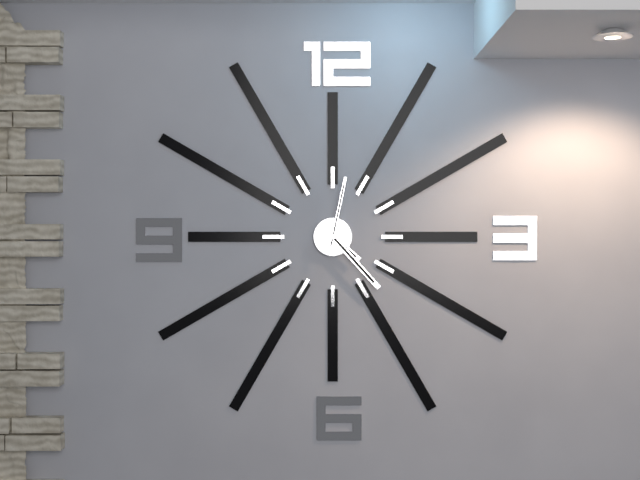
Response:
4.23.02
